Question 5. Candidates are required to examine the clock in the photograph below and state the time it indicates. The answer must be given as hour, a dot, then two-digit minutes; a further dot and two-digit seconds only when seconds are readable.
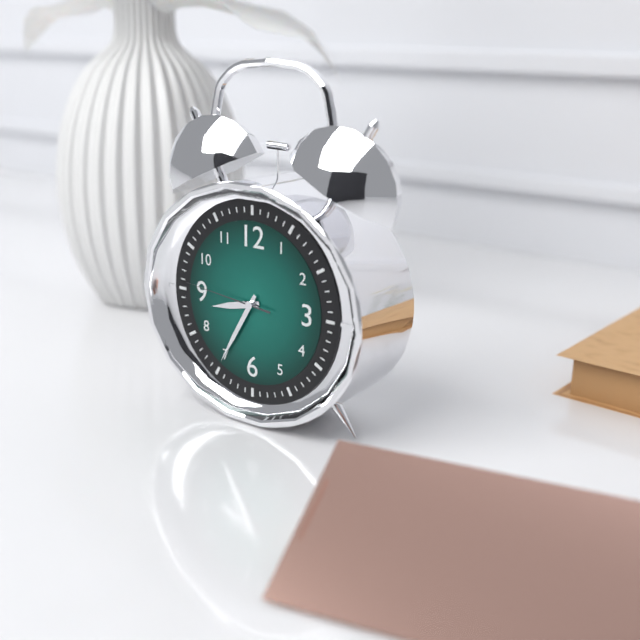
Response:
8.35.46
